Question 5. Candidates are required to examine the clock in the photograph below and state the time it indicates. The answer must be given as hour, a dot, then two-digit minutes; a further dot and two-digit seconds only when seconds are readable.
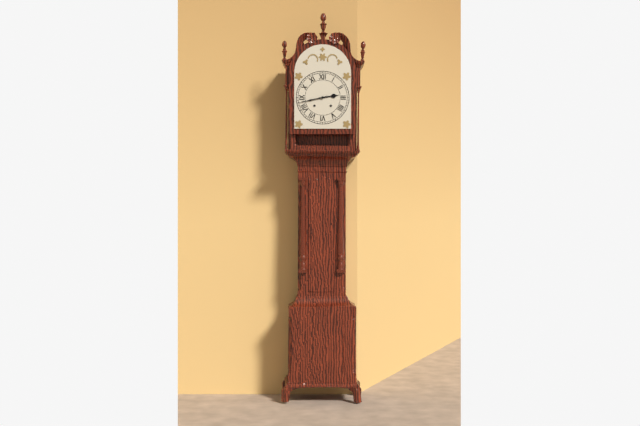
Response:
2.43
